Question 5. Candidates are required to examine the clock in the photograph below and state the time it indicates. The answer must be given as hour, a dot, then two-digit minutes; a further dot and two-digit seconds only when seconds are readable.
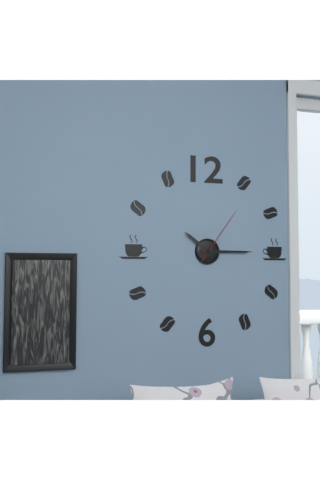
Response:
10.15.06
